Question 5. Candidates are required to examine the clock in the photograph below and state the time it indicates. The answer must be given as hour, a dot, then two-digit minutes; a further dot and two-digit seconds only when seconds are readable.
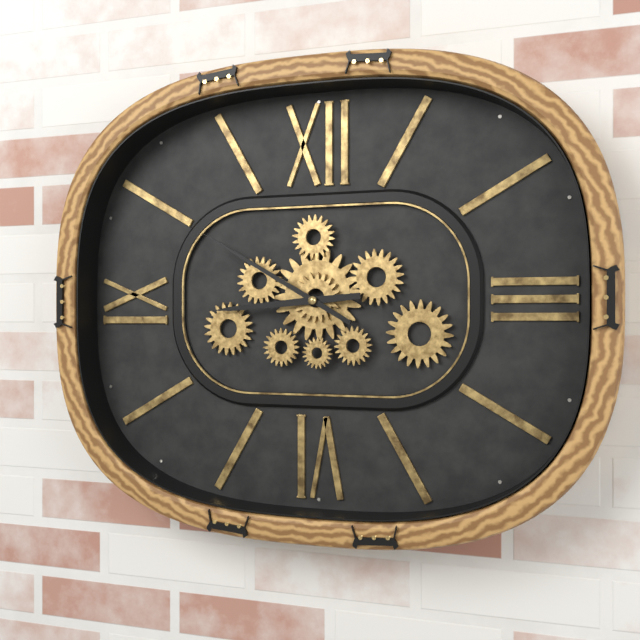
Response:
8.50
